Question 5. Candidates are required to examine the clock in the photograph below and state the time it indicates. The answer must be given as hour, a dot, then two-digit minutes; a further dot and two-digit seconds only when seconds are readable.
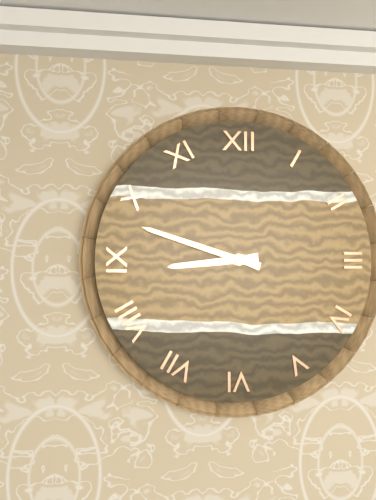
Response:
8.48
